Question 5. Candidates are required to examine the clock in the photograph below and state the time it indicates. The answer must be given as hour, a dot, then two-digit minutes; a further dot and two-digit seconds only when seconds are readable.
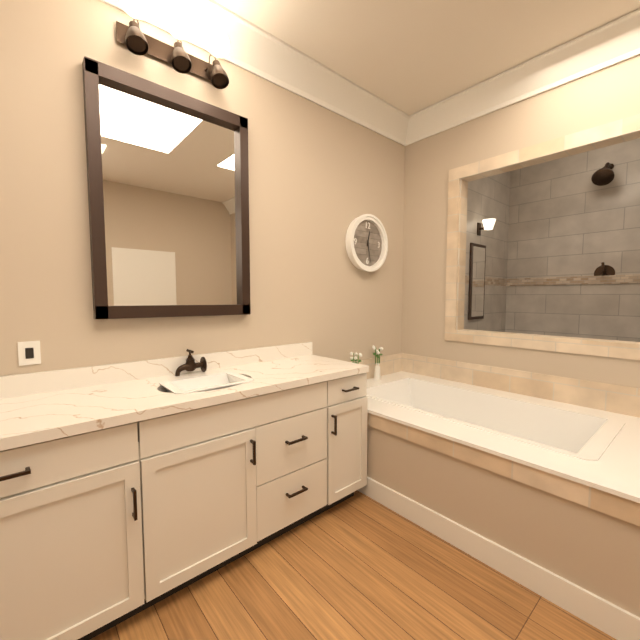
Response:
12.28
